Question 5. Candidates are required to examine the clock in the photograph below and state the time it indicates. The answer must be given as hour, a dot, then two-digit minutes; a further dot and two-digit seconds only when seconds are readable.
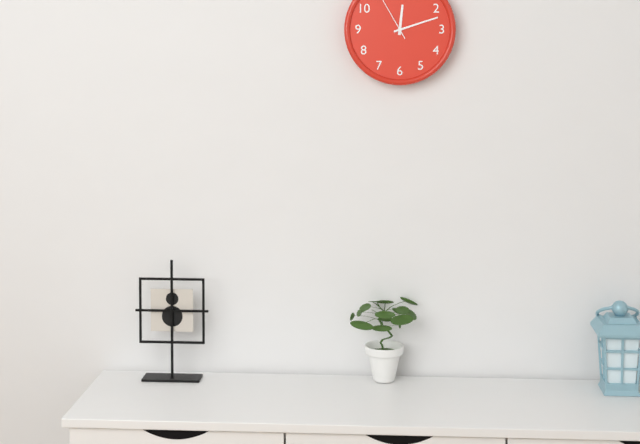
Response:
12.12
